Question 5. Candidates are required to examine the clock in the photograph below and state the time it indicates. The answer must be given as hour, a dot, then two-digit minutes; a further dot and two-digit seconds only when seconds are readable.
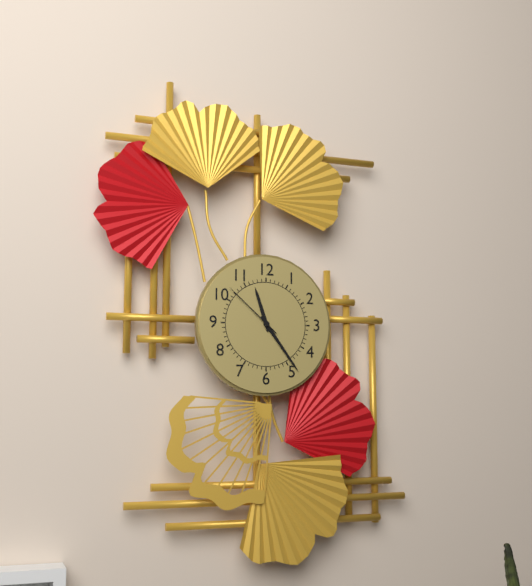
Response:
11.24.52
